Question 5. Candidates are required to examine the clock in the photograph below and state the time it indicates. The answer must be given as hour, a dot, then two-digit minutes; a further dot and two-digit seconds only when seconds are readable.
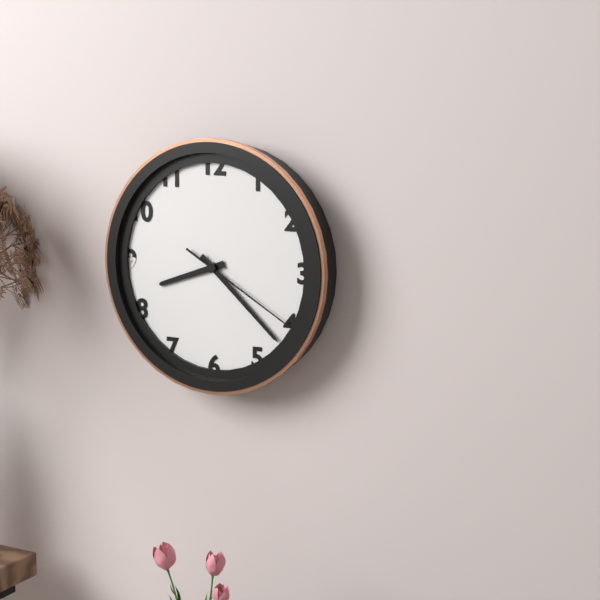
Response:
8.22.20
